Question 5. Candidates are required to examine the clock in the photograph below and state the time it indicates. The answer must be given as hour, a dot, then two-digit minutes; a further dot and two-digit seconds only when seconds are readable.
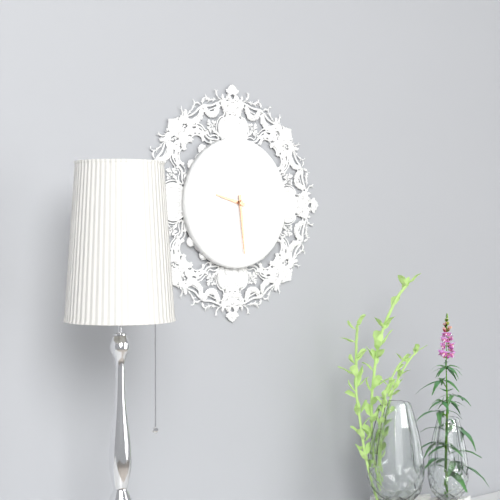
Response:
9.29
